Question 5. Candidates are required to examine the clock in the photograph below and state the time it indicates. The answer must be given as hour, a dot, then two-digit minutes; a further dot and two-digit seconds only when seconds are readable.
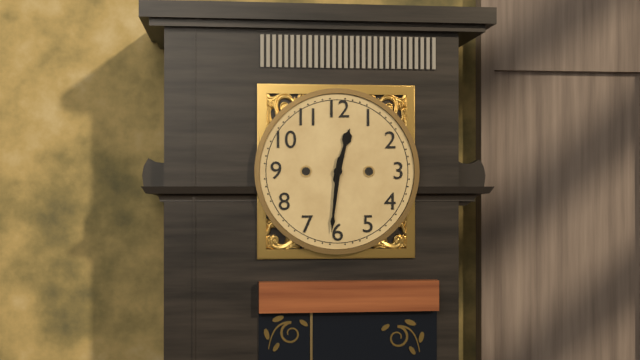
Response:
12.31
